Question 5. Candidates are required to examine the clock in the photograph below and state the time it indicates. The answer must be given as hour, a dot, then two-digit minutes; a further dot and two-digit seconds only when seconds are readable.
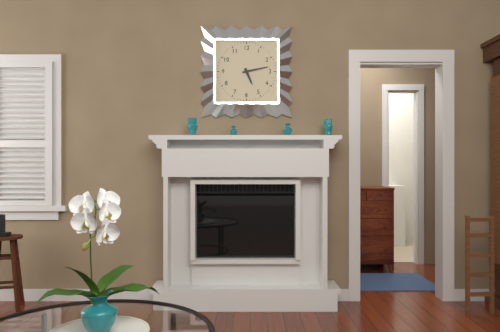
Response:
5.13
